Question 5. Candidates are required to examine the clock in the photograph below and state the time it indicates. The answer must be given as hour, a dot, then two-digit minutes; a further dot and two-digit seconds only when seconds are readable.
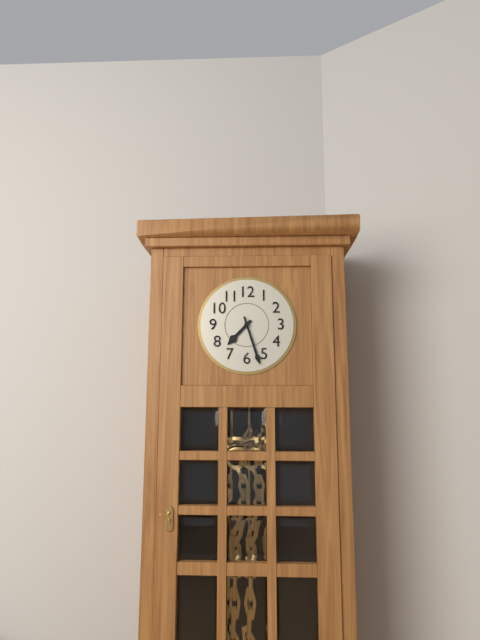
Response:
7.27
